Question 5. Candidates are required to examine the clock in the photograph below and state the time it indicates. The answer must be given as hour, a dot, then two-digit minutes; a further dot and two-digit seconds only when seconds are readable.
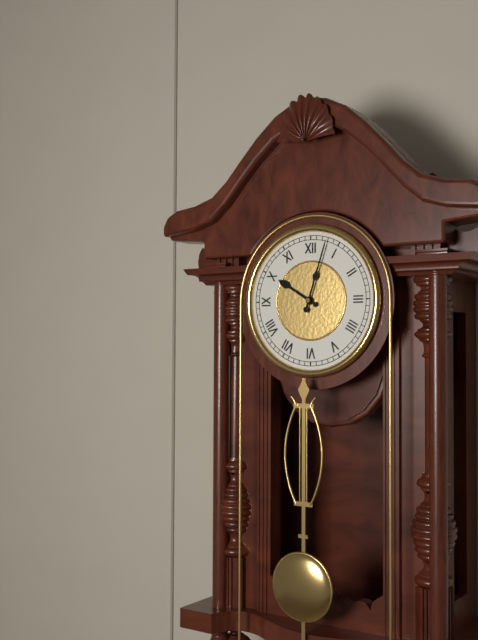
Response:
10.03
